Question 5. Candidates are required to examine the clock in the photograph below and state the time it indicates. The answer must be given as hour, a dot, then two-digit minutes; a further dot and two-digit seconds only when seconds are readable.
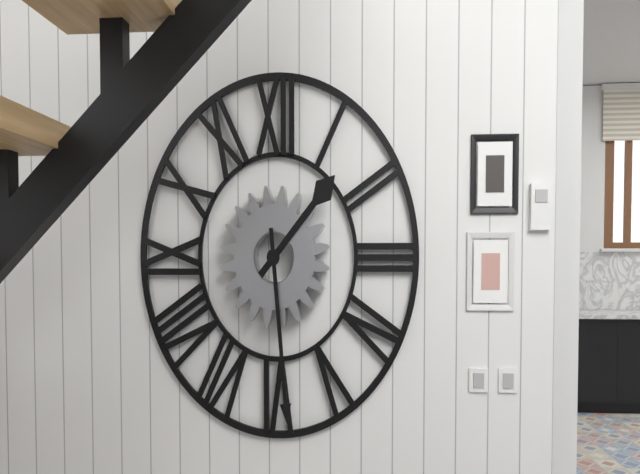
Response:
1.29
